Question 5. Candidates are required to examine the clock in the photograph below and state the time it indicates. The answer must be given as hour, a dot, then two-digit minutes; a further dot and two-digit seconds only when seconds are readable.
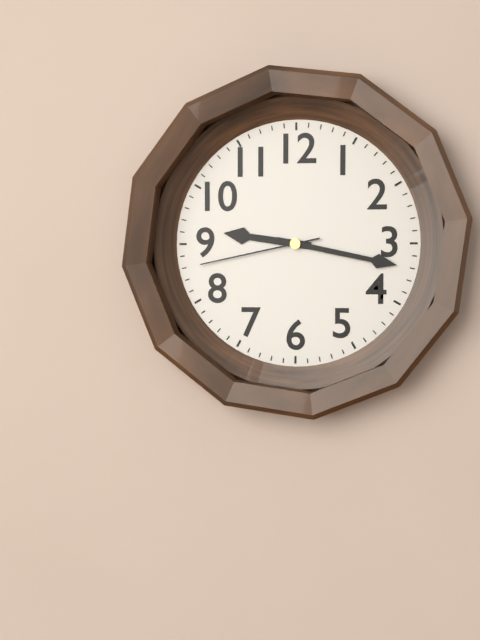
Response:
9.17.43
